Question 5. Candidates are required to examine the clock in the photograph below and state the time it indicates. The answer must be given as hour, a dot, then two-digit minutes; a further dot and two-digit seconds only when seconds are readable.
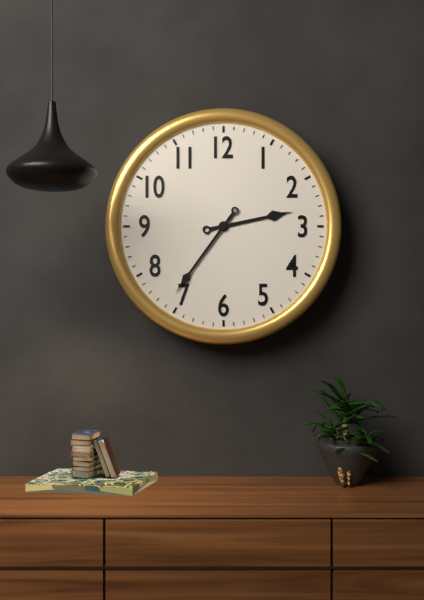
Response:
2.36
